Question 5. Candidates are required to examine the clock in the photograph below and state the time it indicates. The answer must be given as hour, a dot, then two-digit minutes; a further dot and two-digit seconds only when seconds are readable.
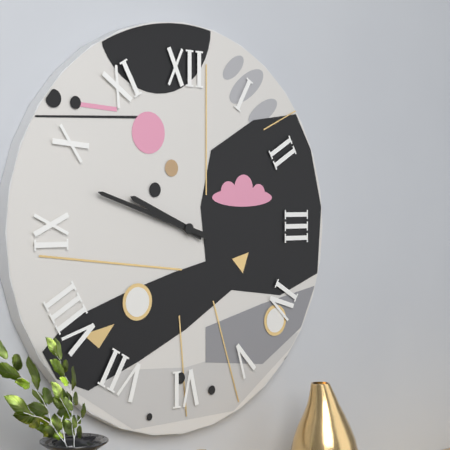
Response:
9.48
